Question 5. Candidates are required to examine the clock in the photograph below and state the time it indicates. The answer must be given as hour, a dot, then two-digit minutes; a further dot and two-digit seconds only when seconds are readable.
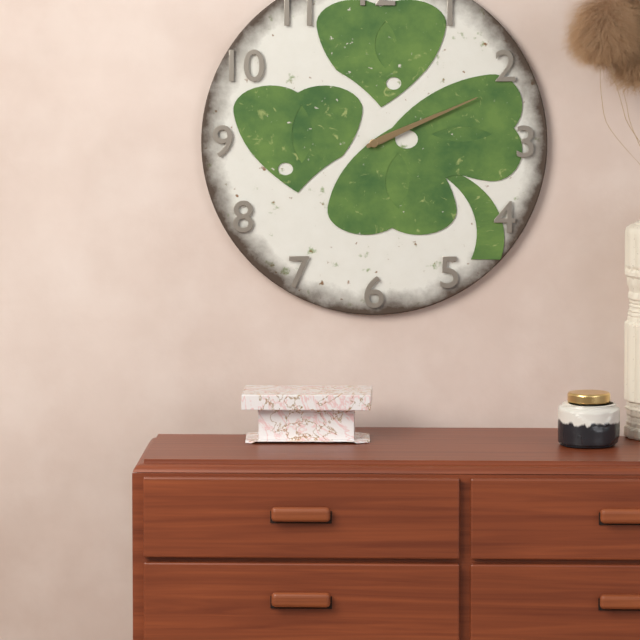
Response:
2.11
